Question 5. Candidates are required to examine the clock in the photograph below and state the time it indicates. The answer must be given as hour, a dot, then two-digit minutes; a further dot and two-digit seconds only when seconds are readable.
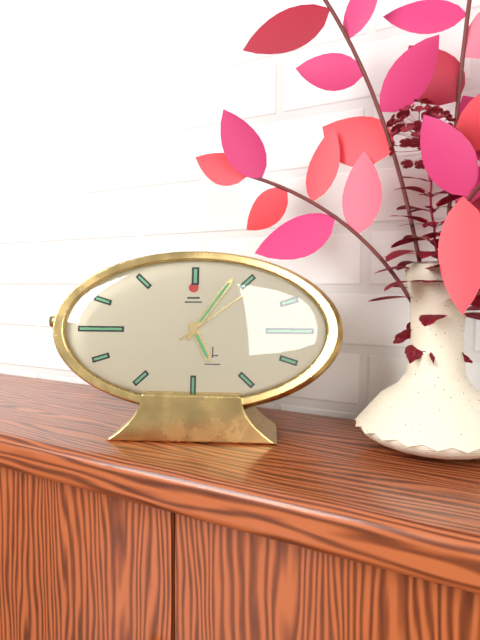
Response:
5.06.09
